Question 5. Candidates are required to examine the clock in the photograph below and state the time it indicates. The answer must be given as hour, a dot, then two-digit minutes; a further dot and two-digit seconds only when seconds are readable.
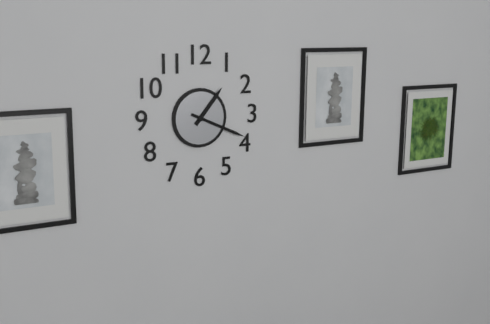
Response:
1.19
